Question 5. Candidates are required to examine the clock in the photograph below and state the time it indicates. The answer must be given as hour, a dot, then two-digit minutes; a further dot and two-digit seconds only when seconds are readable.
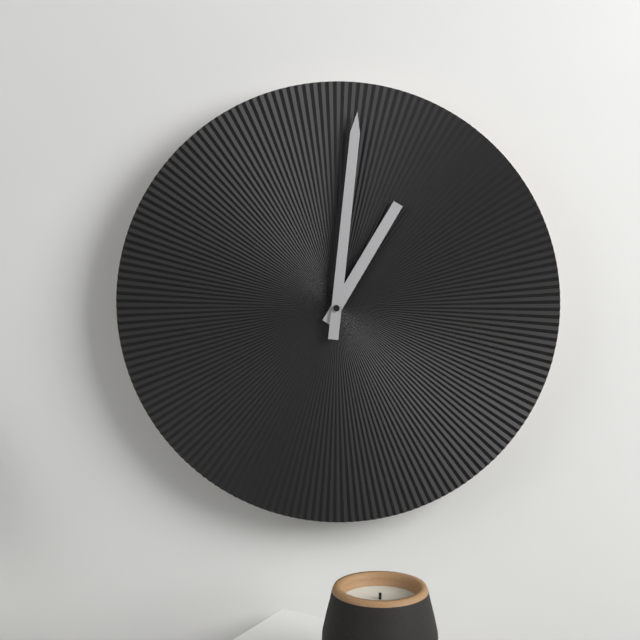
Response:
1.01
